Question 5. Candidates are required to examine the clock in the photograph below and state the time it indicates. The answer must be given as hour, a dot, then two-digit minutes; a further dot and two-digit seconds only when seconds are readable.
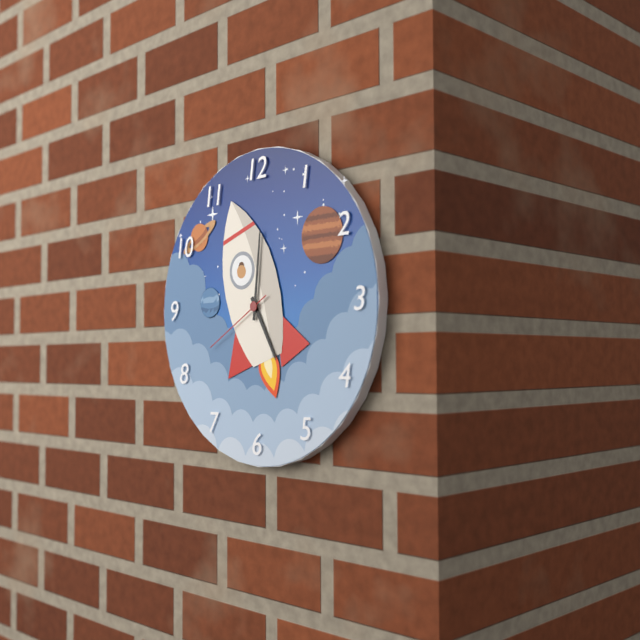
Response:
5.01.40
